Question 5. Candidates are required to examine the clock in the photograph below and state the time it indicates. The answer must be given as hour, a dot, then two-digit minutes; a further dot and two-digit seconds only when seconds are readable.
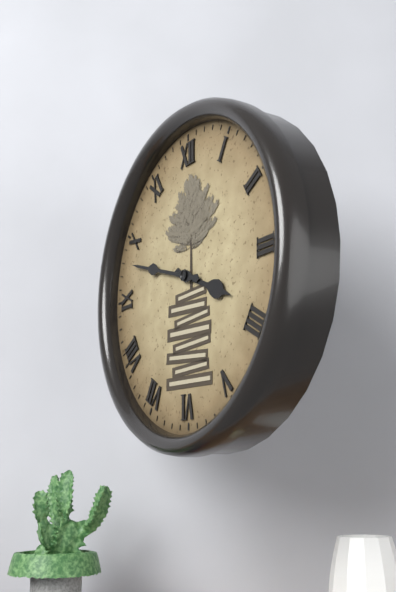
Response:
3.48
